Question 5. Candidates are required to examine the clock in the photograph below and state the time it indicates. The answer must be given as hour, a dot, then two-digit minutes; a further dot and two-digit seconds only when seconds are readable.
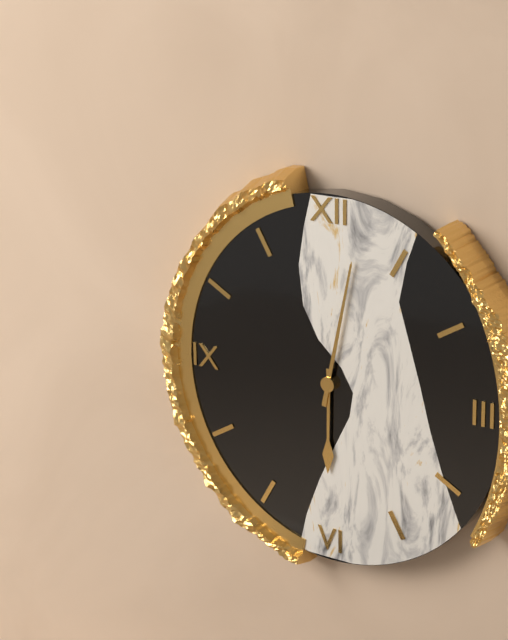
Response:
6.02
